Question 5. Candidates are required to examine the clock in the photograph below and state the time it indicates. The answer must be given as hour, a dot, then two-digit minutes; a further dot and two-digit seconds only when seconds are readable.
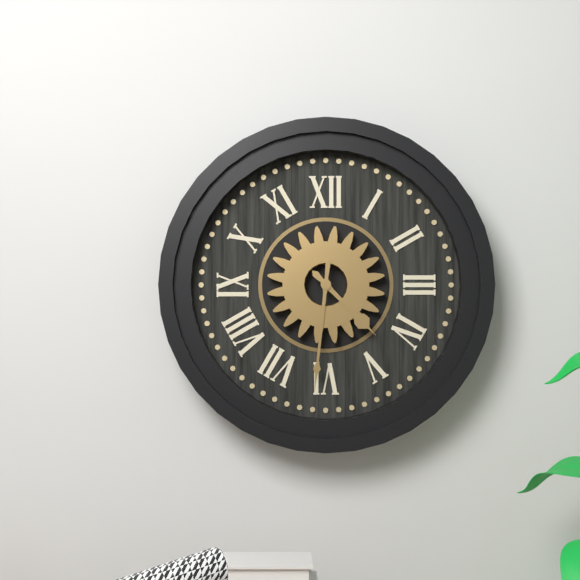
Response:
4.31
